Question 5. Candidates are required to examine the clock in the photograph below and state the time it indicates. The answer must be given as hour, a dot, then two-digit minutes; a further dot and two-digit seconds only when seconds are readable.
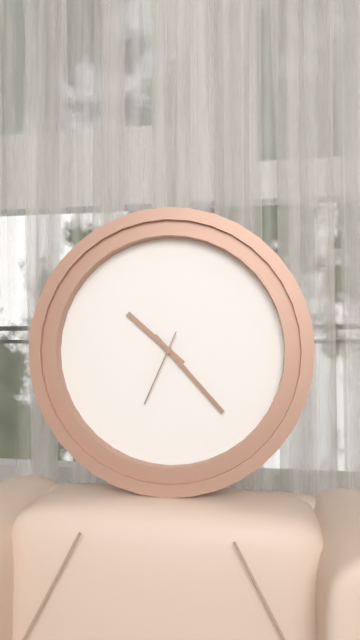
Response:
10.23.34
